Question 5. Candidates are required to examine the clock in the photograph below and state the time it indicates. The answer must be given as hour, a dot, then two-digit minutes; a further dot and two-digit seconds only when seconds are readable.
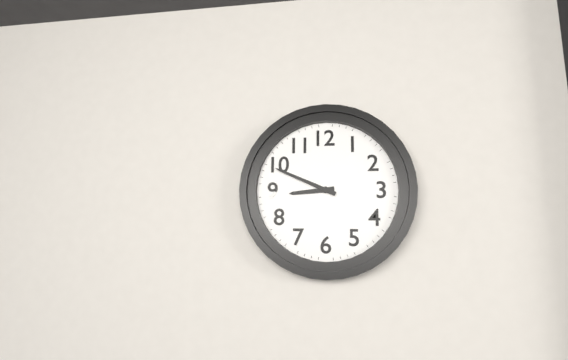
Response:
8.49
